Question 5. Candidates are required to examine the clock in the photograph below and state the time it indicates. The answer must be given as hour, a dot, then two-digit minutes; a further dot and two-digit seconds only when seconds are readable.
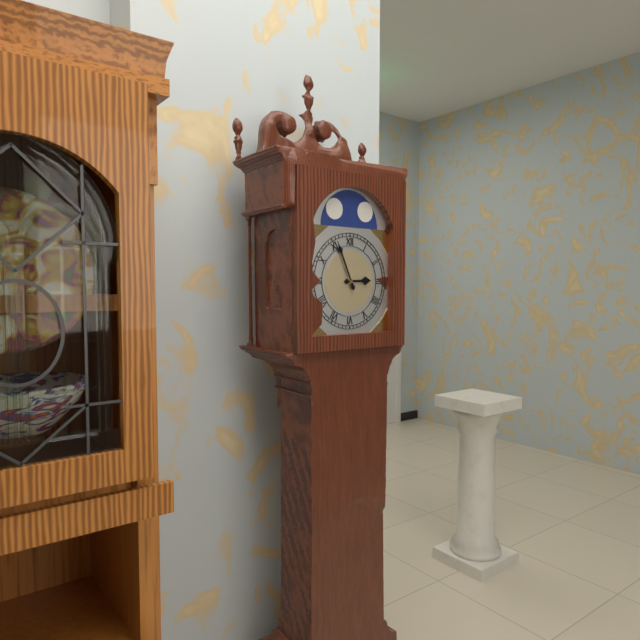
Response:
2.56
